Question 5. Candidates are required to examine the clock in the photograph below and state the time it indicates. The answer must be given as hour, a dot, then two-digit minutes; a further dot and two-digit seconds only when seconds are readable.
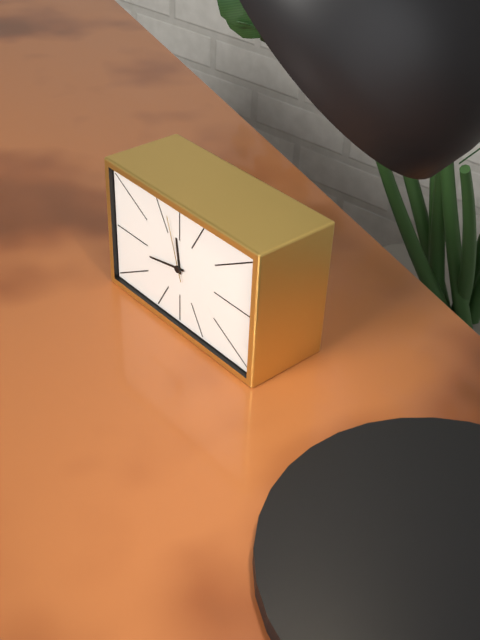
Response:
11.43.57
